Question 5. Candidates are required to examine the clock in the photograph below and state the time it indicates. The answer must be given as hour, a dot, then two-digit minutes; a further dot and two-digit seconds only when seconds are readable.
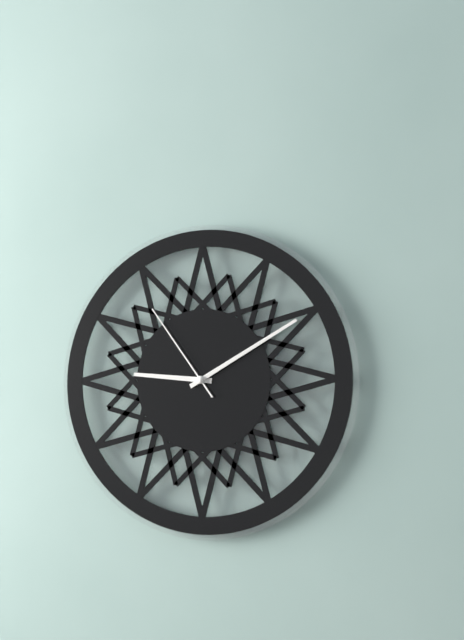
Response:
9.10.54
